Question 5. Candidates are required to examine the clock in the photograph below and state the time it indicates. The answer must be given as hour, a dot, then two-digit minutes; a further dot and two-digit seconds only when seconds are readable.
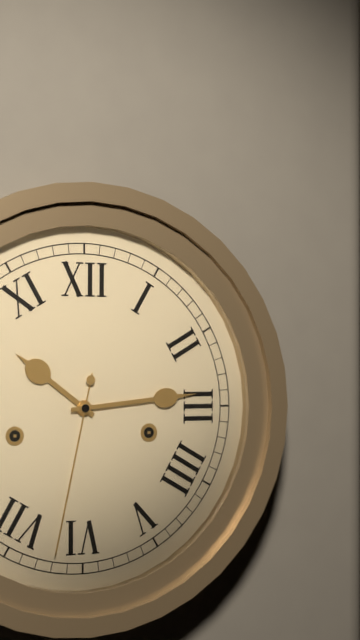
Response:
10.14.32
